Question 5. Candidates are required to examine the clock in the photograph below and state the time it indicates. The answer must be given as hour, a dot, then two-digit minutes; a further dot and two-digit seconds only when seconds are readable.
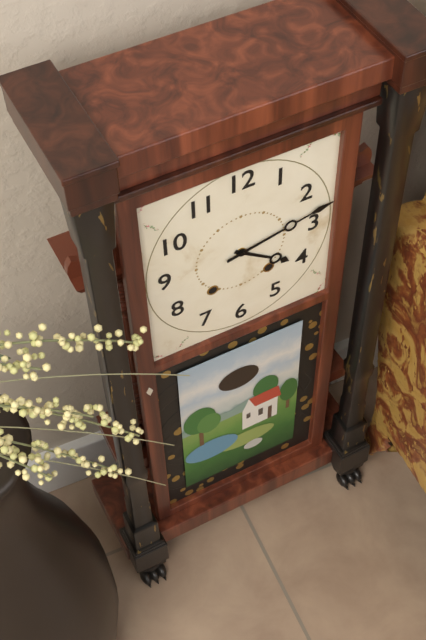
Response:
4.13
